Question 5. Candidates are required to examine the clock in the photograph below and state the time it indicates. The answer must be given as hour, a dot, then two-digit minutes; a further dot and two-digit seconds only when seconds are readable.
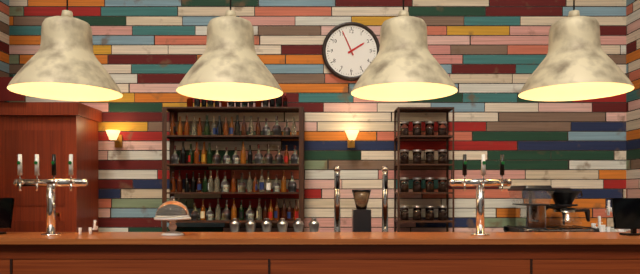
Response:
1.56
